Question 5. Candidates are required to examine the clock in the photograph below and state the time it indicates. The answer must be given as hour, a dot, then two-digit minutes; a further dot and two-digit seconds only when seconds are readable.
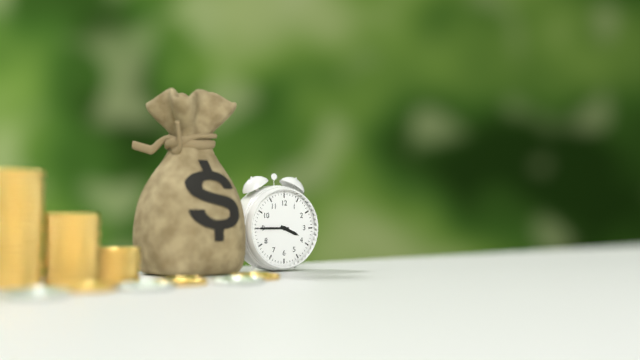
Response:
3.45
